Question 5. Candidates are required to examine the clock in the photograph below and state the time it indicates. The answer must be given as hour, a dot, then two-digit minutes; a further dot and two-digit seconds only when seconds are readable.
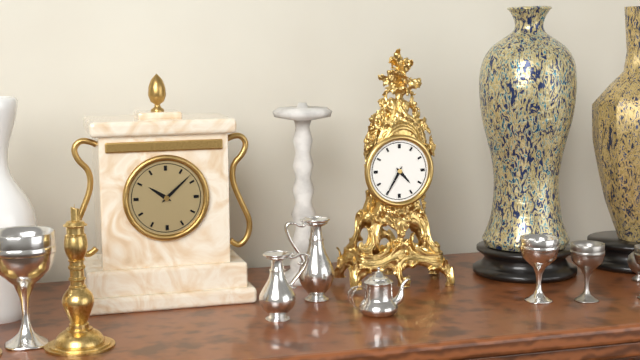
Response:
4.35
